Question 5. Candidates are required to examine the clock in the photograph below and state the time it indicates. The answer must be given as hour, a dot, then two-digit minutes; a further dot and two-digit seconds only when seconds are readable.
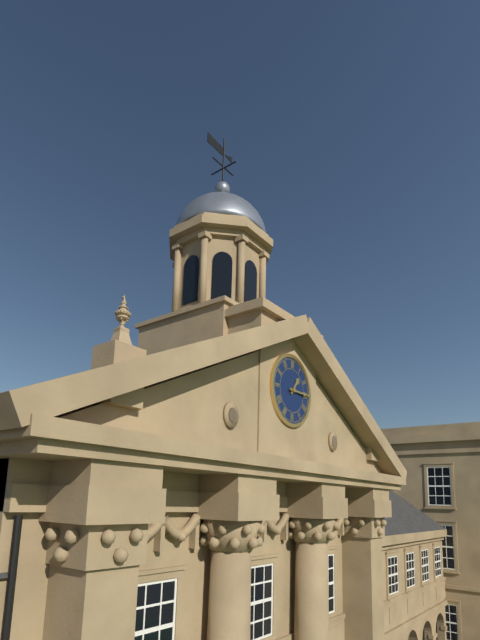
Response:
1.15
